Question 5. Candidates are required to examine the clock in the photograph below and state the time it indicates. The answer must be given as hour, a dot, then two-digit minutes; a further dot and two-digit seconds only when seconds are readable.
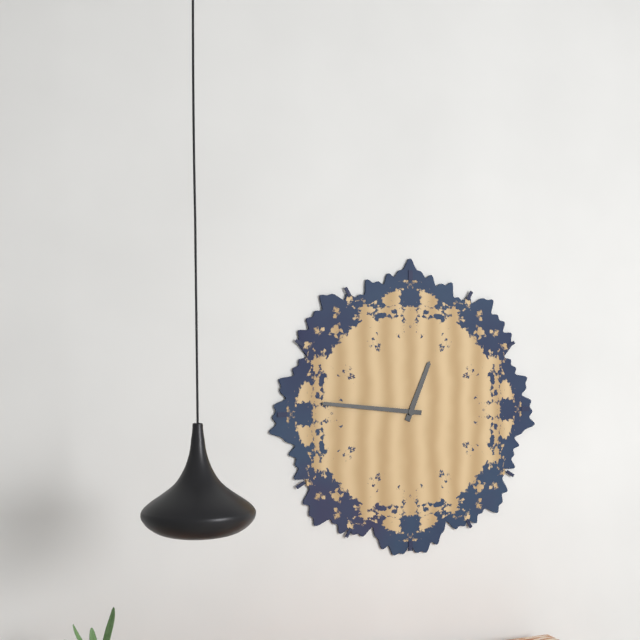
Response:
12.46
